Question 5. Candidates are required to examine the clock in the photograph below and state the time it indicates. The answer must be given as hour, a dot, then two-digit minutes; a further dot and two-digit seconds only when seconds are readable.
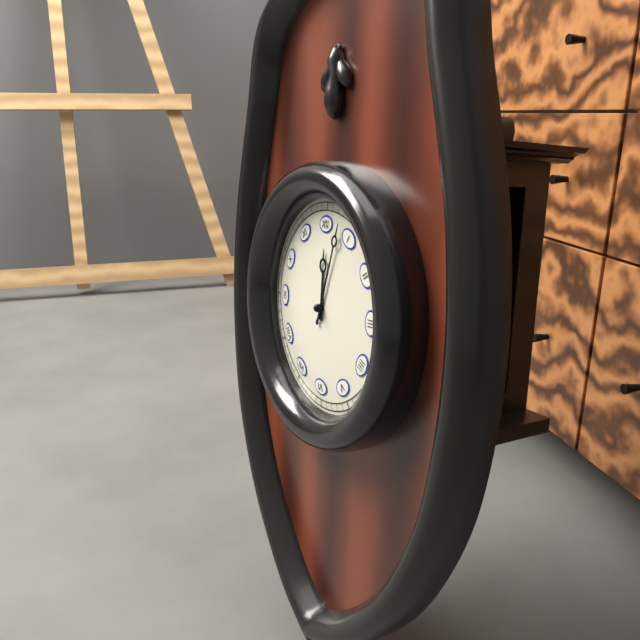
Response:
12.03
